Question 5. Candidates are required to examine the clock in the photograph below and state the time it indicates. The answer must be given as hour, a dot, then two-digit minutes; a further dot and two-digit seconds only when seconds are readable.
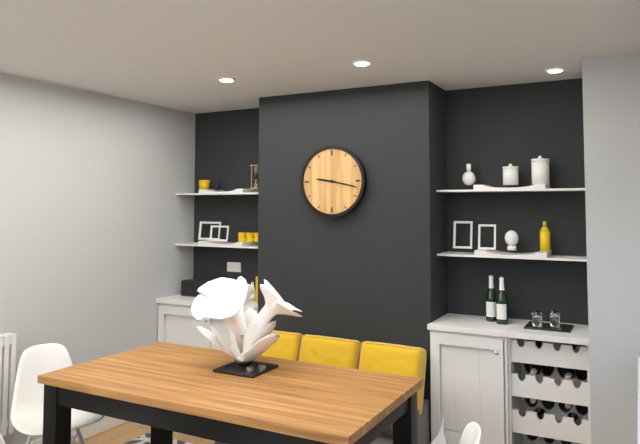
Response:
9.17
